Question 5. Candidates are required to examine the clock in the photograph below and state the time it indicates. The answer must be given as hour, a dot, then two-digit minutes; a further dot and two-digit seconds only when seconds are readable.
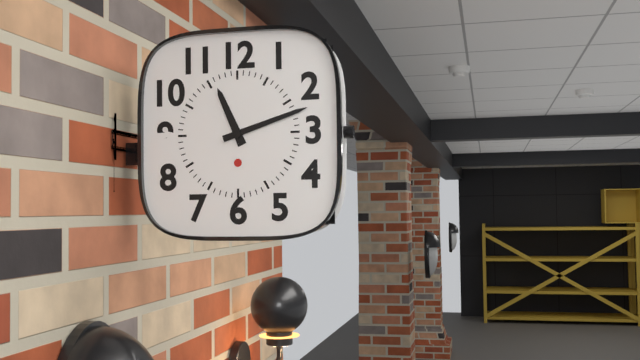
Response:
11.12
